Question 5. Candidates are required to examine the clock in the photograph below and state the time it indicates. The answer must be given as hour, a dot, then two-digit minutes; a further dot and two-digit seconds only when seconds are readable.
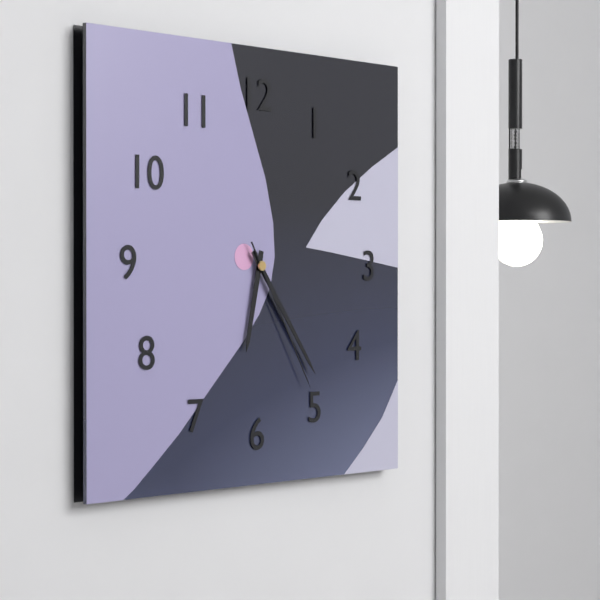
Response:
6.24.25
